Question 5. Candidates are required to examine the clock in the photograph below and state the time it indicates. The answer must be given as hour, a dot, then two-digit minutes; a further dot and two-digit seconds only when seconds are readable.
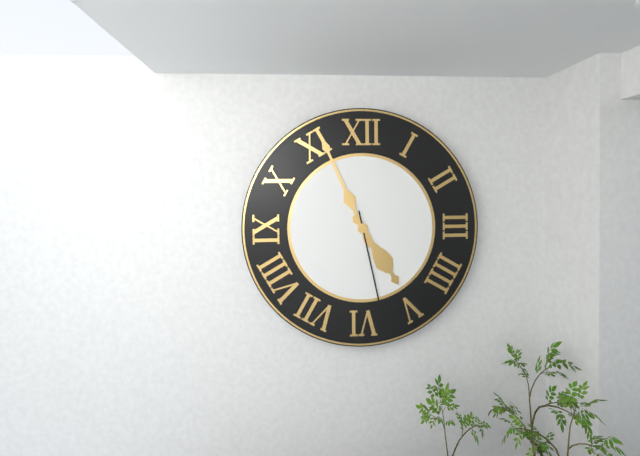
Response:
4.56.28
